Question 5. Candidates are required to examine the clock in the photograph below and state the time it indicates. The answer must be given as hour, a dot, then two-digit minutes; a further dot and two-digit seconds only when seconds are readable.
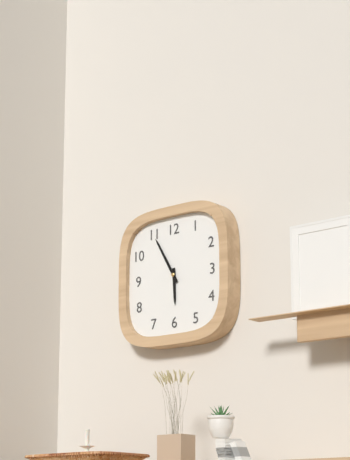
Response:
5.55
